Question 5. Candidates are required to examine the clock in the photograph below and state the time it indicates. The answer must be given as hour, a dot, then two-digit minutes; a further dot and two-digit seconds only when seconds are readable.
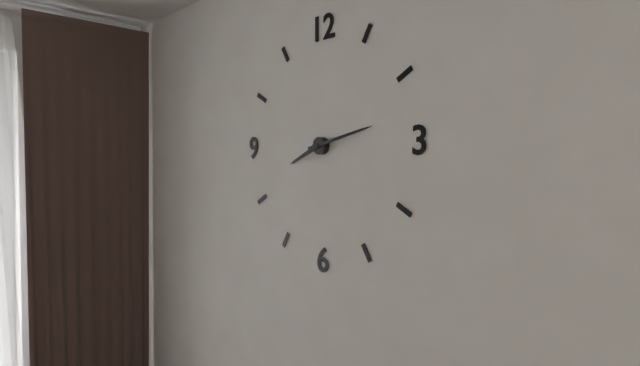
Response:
8.13
